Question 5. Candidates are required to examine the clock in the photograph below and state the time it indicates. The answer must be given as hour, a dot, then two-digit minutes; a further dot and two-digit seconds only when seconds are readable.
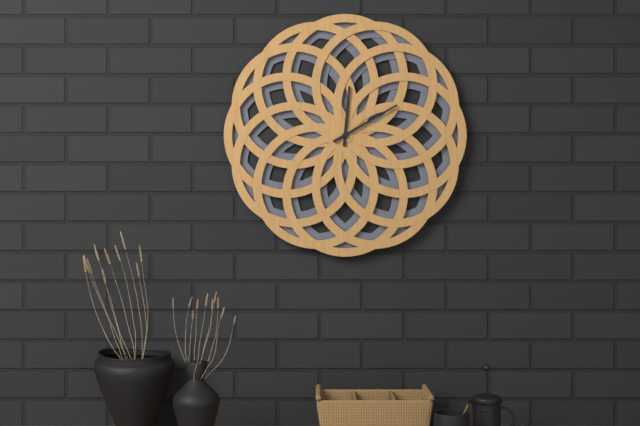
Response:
12.10
